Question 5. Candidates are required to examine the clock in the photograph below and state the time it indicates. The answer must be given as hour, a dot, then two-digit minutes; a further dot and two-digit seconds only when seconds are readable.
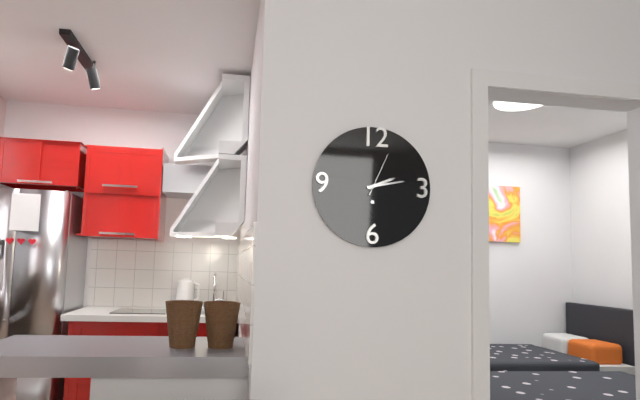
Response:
2.13
